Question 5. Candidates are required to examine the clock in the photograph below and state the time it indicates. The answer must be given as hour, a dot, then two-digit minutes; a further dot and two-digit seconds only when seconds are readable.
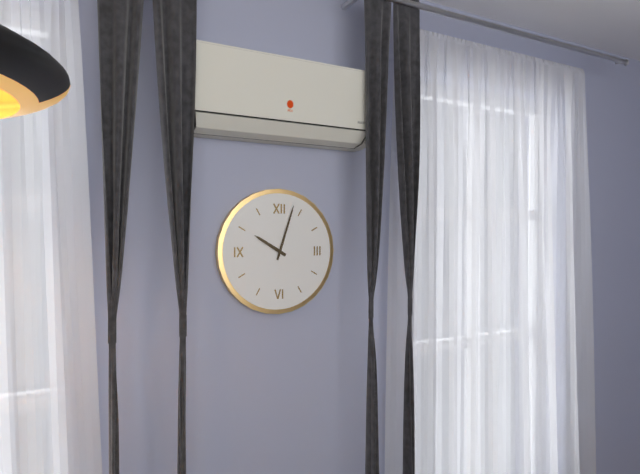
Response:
10.03
